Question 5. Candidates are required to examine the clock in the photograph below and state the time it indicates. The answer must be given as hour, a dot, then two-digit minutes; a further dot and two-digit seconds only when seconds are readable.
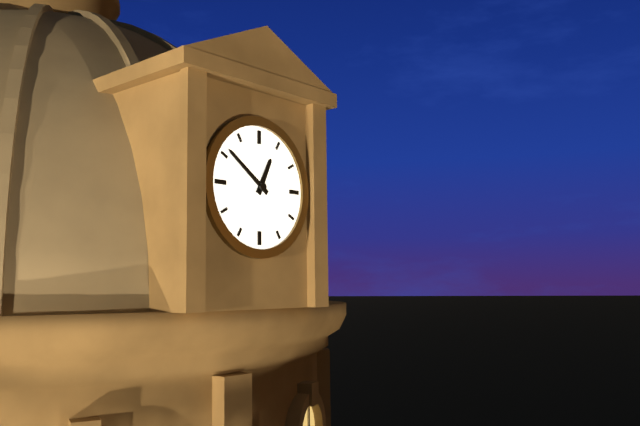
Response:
12.51
